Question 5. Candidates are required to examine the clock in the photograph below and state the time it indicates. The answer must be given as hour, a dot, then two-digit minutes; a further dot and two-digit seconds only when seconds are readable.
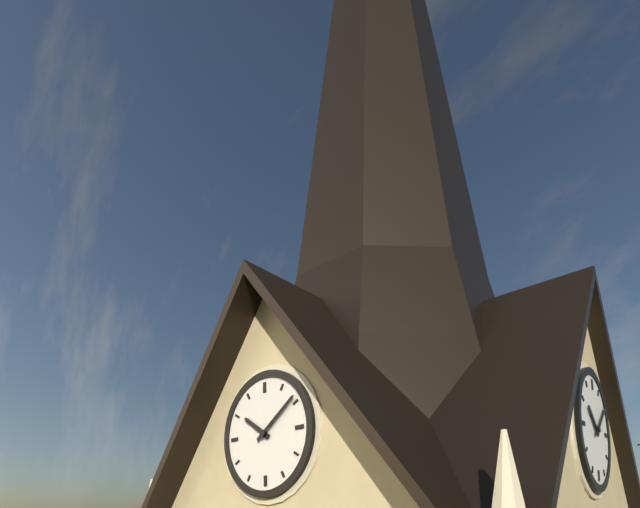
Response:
10.09
